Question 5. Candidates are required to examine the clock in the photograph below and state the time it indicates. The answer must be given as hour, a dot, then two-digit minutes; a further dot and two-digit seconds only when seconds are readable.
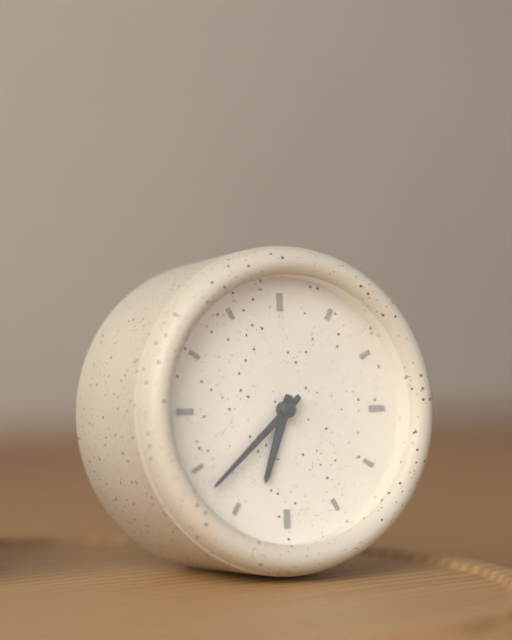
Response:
6.38
